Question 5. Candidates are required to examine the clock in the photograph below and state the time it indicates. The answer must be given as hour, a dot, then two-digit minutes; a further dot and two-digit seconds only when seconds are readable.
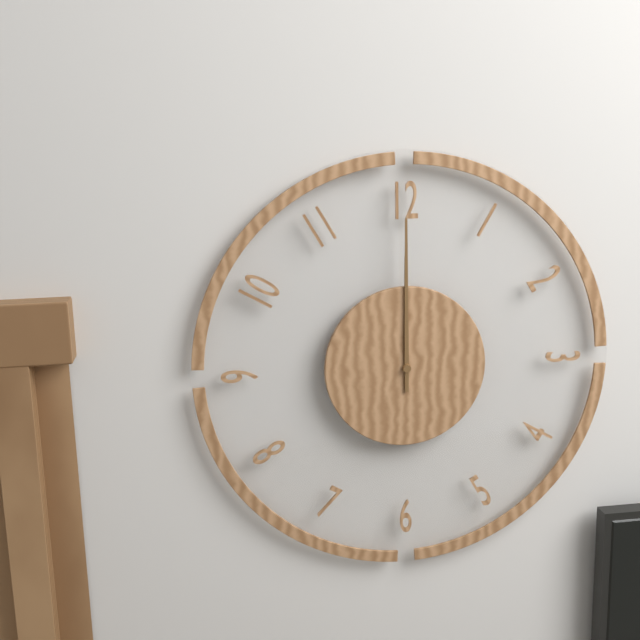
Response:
12.00
